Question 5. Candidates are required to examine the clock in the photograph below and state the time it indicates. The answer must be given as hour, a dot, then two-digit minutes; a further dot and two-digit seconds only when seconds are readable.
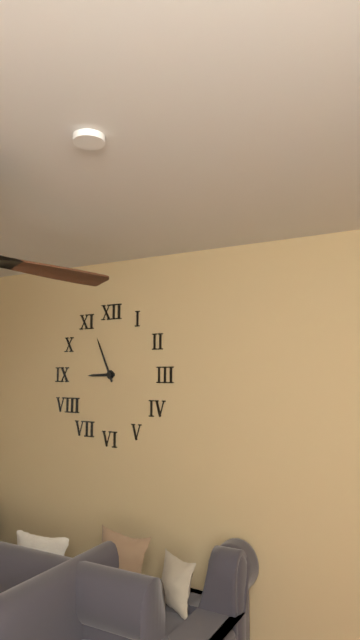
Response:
8.56
